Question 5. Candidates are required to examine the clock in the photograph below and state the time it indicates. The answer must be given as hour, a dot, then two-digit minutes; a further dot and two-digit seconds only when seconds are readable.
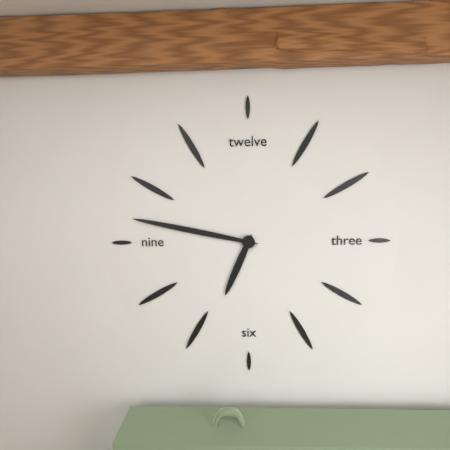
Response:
6.47
